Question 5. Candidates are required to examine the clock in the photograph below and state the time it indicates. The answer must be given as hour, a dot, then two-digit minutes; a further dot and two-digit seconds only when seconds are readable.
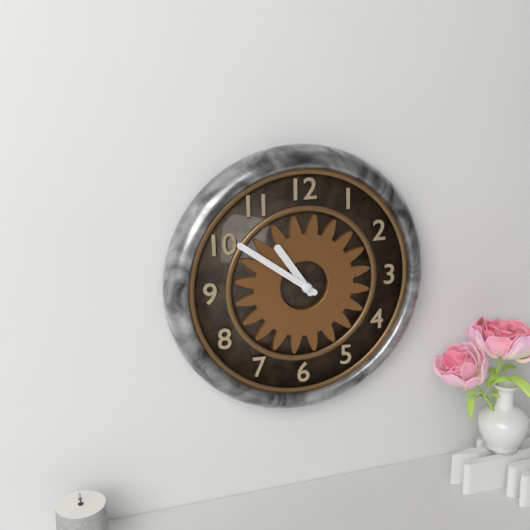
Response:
10.51
